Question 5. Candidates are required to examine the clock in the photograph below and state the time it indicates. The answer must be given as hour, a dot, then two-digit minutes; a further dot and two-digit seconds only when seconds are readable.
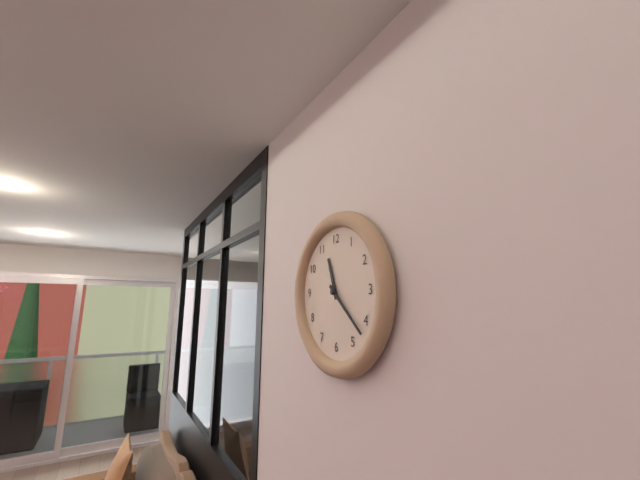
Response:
11.22
